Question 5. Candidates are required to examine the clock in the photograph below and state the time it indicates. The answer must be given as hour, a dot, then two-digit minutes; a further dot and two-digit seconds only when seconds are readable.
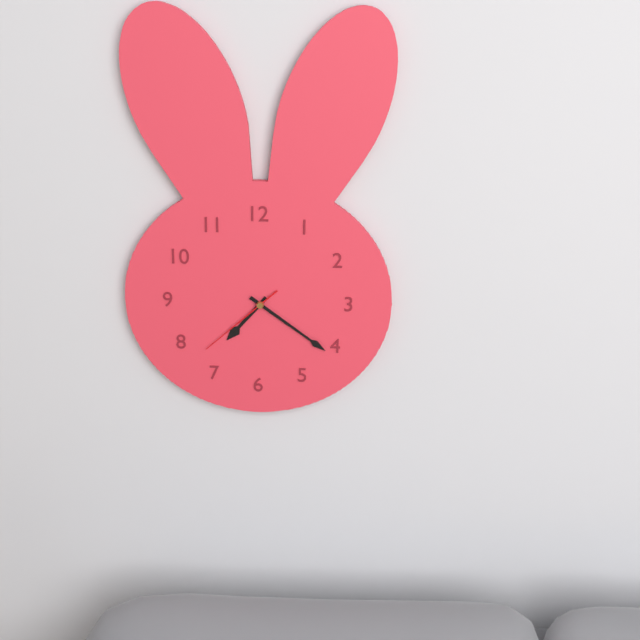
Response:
7.21.38
